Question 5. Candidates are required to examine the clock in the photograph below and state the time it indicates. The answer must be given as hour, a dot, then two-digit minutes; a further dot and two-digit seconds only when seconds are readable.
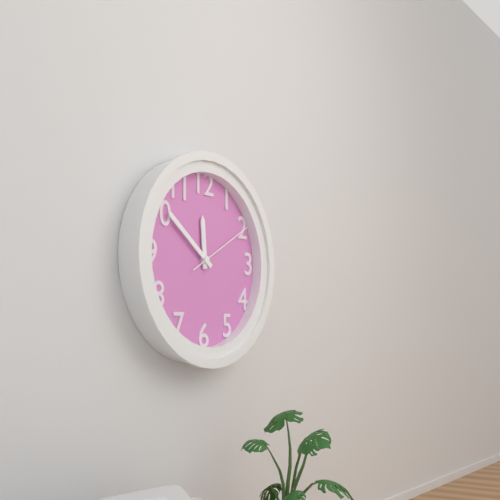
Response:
11.51.10
